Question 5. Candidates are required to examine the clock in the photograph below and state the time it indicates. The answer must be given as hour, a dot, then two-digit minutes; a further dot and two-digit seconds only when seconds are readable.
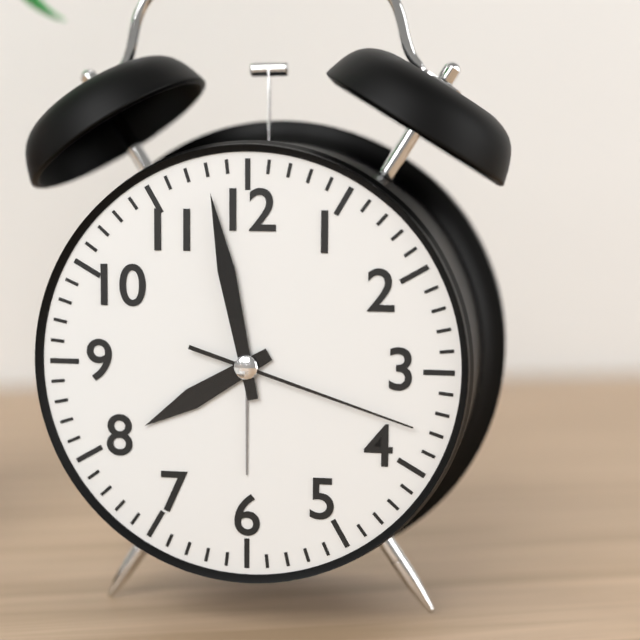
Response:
7.58.18
